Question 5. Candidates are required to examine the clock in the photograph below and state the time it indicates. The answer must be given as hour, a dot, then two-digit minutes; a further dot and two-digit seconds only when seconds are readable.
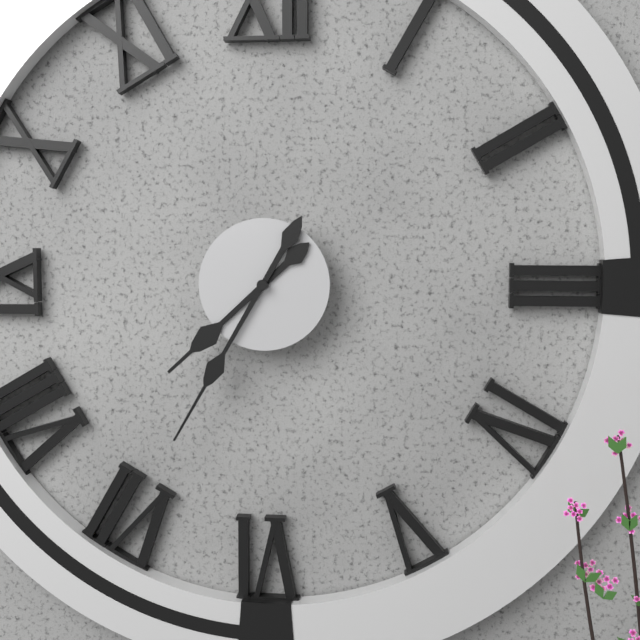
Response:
7.35
